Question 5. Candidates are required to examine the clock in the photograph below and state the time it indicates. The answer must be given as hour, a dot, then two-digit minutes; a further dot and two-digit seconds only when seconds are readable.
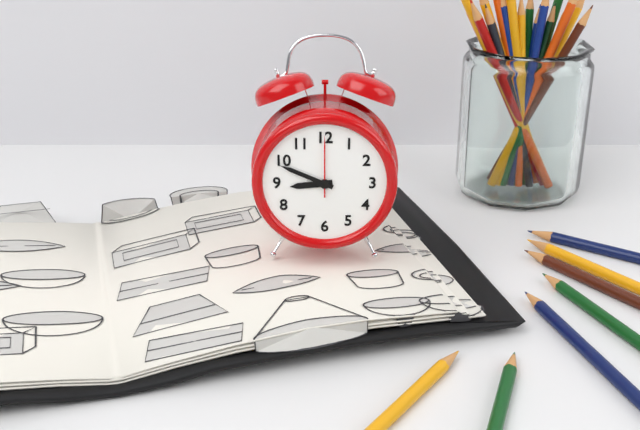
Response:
8.49.00
